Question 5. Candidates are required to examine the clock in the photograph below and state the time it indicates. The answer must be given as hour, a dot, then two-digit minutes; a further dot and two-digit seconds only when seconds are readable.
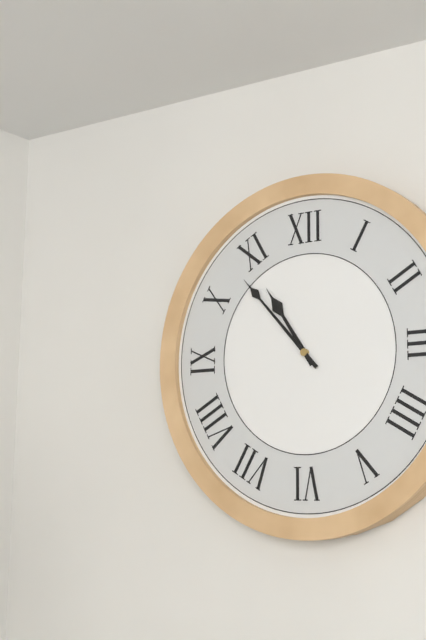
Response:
10.53
